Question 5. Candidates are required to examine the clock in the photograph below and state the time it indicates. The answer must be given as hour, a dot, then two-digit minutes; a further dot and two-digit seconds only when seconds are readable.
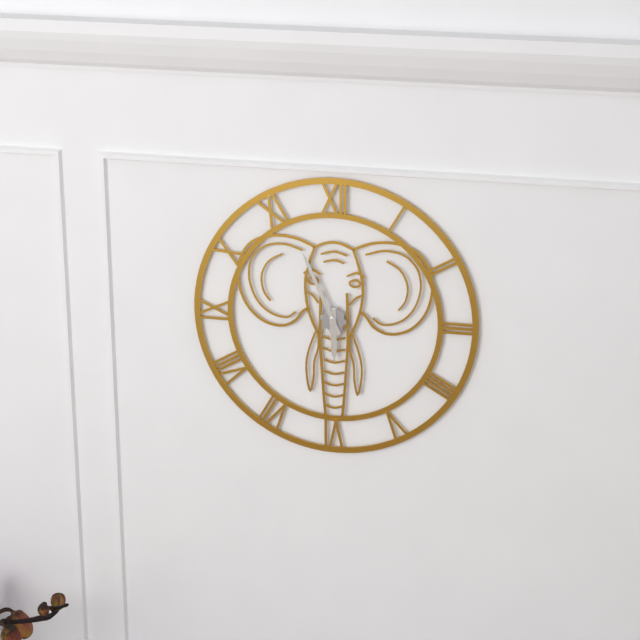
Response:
5.56
